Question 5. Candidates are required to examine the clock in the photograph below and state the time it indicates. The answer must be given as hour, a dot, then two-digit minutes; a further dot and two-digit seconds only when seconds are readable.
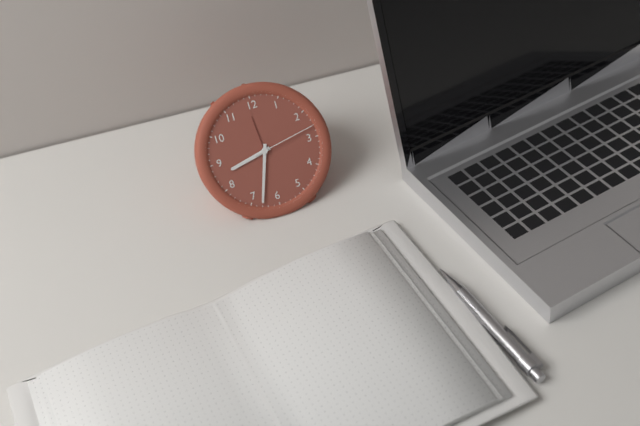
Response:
8.33.13
